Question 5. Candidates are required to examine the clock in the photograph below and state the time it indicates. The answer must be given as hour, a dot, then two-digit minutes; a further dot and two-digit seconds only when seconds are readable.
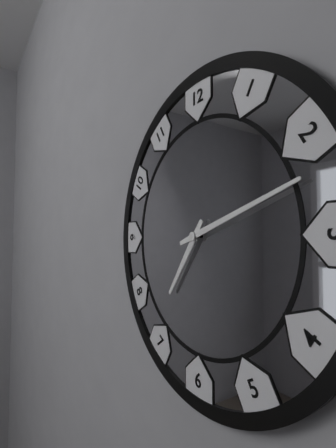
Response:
7.12
